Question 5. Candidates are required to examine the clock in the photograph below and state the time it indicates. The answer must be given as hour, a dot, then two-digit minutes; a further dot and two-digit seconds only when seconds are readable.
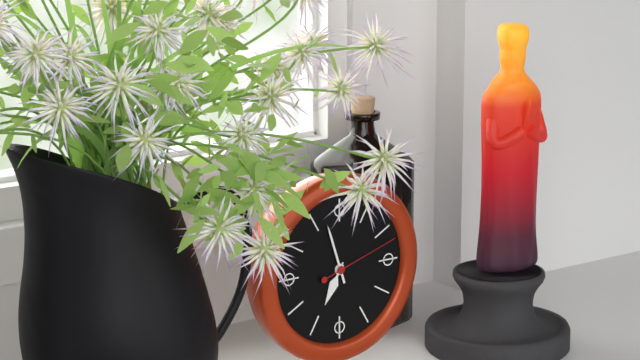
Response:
6.57.12
